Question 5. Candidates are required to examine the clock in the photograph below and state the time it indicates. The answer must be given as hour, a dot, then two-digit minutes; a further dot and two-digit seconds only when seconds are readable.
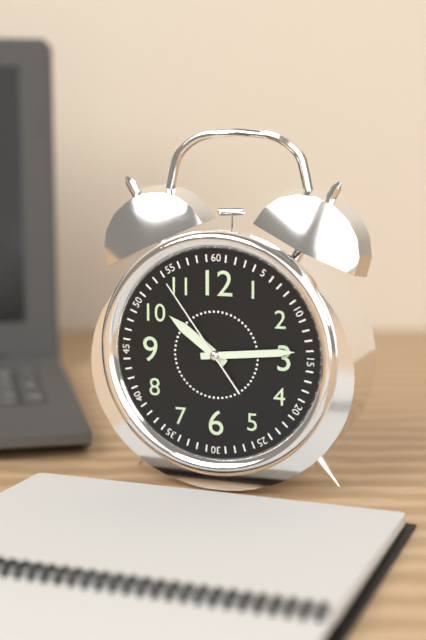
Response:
10.14.54
